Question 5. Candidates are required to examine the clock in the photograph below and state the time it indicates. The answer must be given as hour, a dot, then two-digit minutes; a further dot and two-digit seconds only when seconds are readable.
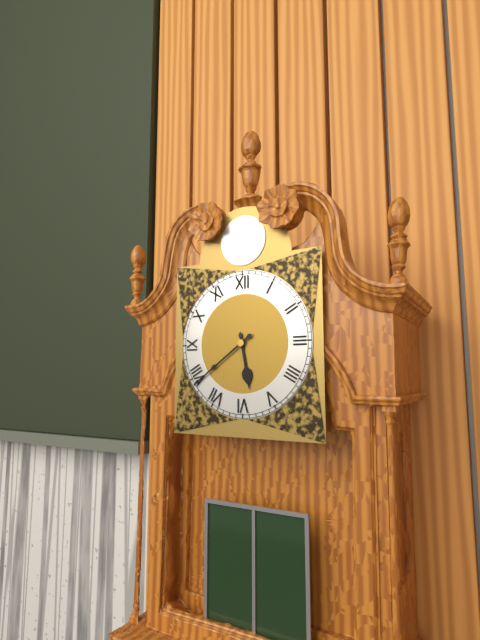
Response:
5.39
